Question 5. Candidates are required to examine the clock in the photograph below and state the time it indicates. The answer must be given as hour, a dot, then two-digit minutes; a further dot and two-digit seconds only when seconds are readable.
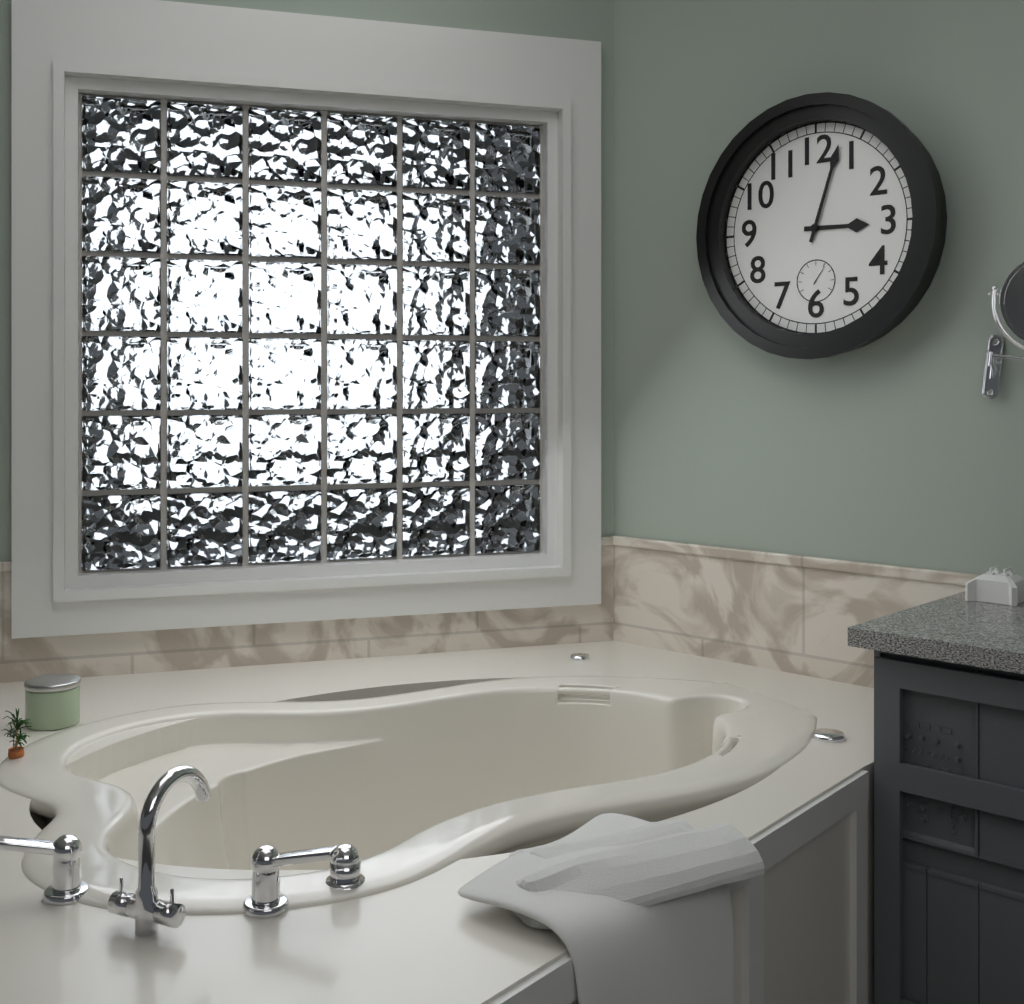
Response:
3.03
